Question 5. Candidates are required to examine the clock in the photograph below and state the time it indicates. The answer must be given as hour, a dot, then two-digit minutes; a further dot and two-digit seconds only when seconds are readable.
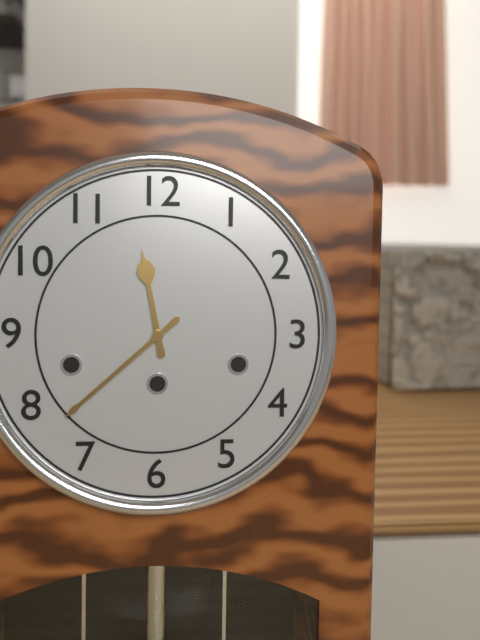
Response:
11.38
